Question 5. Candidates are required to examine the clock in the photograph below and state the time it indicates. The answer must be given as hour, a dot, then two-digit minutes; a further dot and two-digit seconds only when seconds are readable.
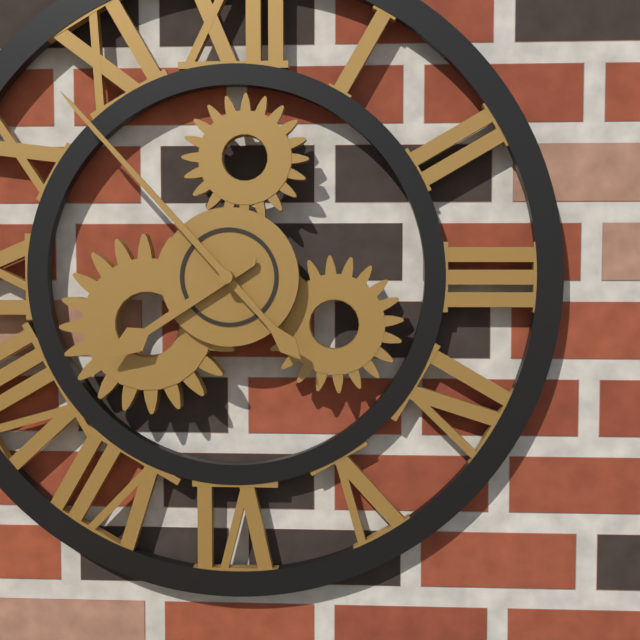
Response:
7.53
